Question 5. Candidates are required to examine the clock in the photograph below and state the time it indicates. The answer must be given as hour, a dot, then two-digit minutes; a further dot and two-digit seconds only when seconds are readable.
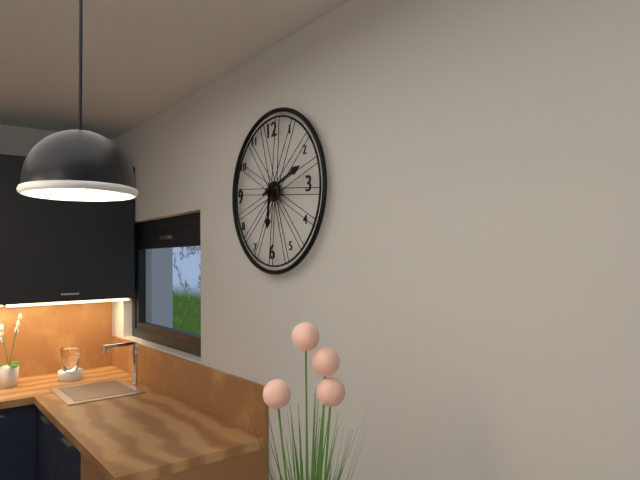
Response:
6.12
